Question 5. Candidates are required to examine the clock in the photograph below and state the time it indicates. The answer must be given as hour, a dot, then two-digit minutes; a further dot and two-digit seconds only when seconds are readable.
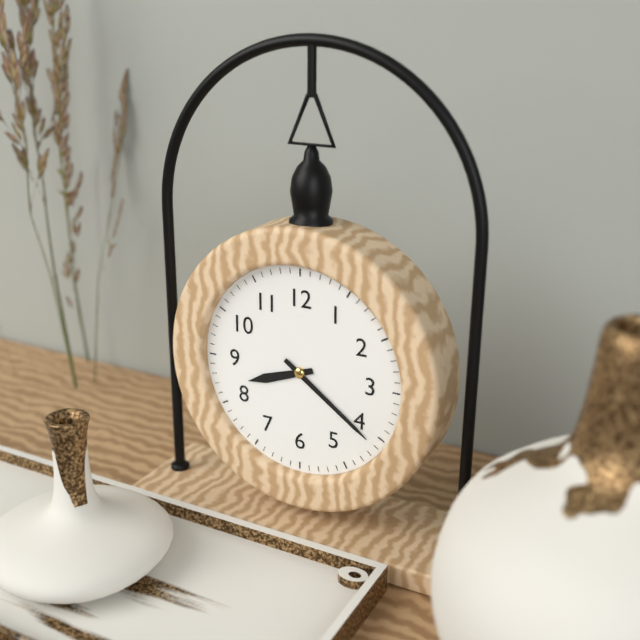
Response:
8.21
